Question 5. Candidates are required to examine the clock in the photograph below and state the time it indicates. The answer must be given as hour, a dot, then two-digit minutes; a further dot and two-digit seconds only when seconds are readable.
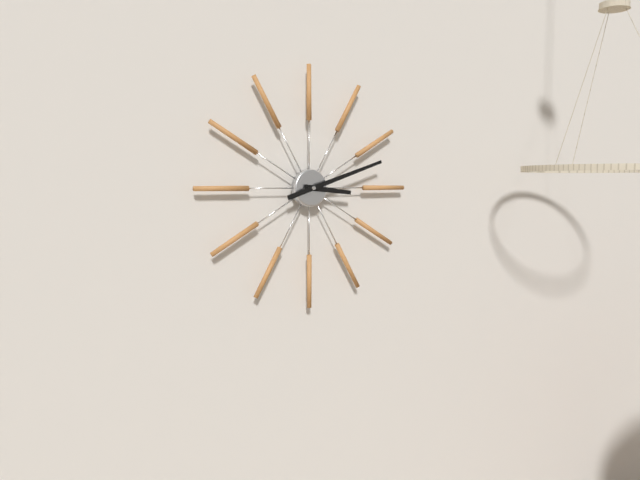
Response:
3.12
